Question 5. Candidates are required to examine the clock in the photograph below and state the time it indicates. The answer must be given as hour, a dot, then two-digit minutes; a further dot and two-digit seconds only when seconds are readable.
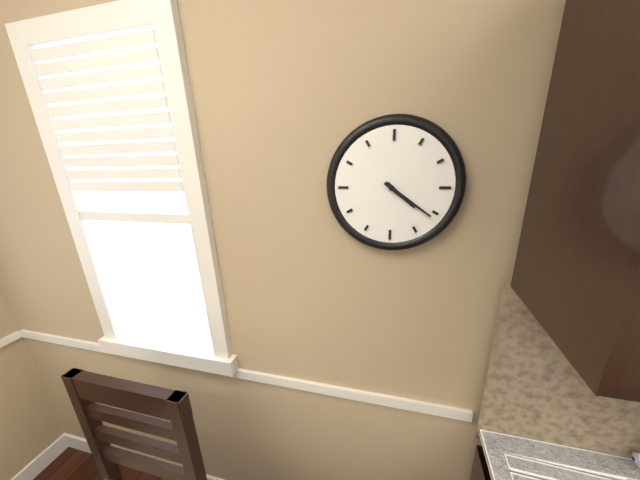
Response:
4.21
